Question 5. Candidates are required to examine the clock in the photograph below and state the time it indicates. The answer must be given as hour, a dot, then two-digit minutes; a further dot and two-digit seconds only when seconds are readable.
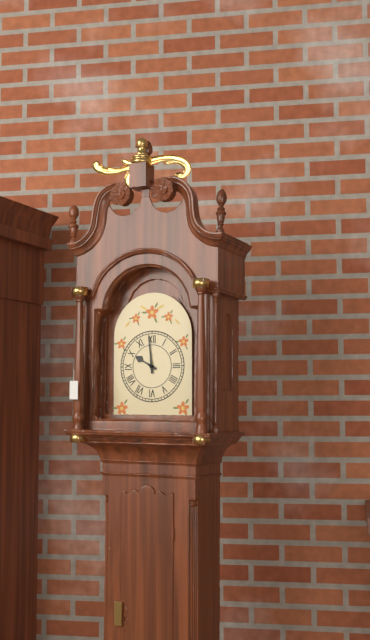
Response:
9.59
